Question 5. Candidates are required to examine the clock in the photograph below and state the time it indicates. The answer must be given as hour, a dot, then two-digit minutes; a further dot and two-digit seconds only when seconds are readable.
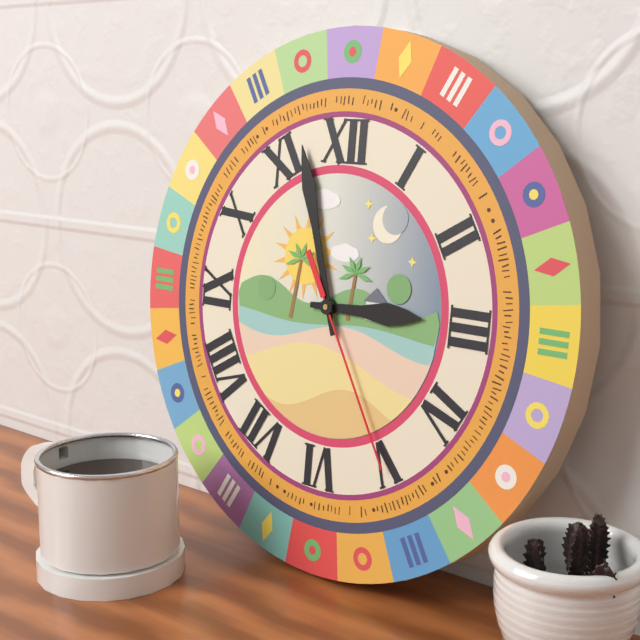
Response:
2.57.25
